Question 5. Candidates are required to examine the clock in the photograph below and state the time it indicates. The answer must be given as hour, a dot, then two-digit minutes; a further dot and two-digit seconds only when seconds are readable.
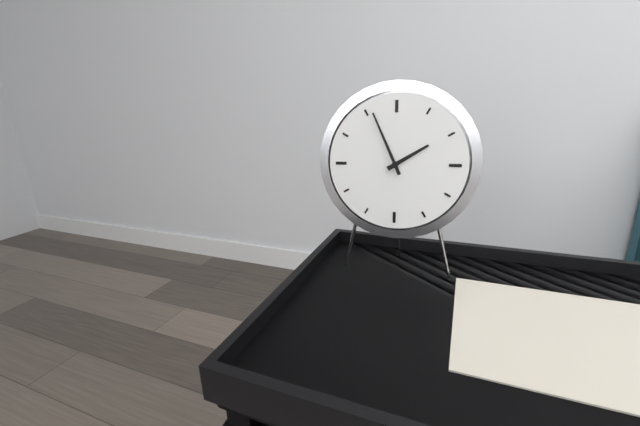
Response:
1.56
